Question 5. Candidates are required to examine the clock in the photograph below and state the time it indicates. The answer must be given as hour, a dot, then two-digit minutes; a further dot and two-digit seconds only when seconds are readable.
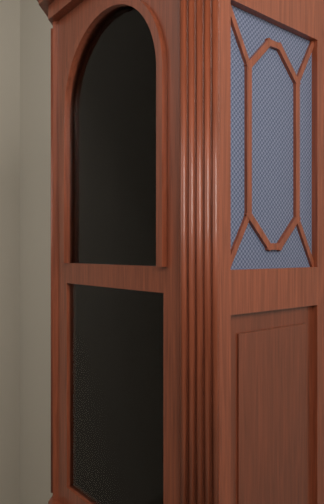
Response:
6.27
